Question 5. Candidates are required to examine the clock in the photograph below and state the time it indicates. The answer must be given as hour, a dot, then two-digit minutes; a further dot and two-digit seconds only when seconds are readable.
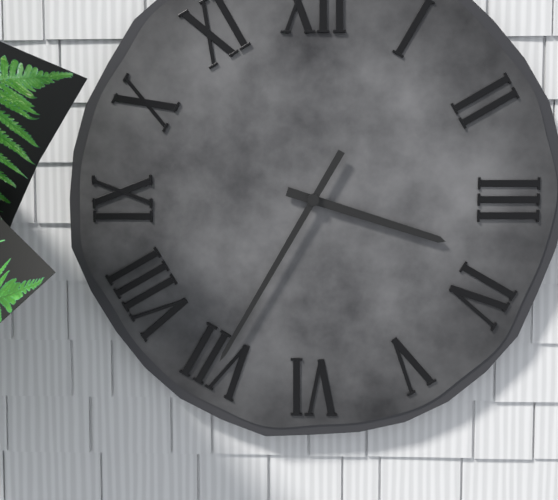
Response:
3.35
